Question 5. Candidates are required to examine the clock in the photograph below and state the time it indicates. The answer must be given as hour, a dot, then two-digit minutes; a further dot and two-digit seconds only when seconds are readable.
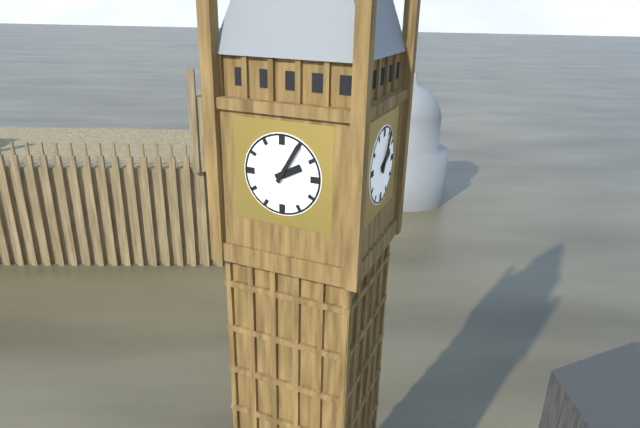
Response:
2.05
